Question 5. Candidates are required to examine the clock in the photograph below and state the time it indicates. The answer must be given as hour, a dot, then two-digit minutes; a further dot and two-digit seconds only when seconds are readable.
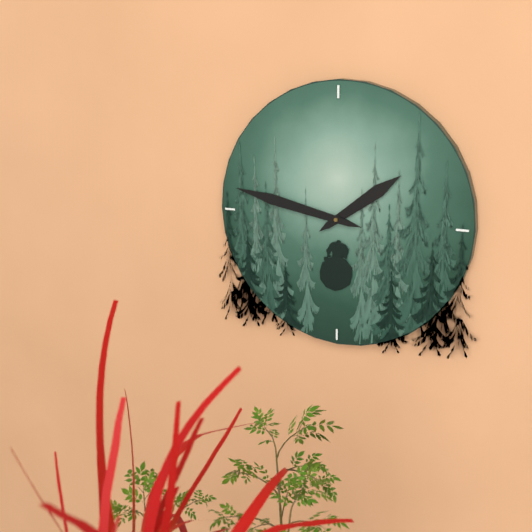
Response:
1.47
